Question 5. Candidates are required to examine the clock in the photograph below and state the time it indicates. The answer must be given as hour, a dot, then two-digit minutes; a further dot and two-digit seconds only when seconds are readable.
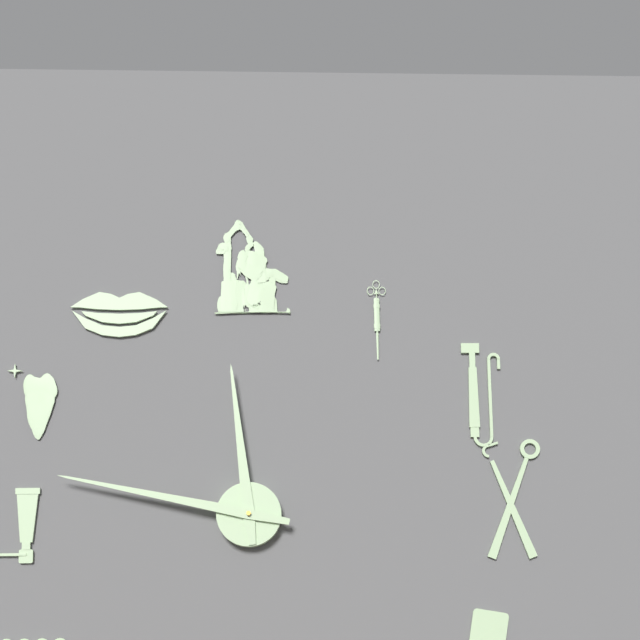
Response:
11.47
